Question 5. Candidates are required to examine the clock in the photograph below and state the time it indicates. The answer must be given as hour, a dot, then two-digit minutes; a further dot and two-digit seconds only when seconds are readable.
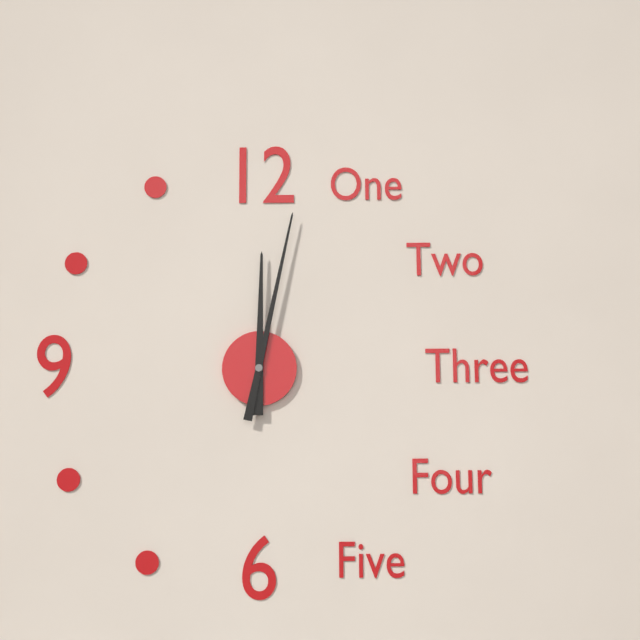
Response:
12.02
